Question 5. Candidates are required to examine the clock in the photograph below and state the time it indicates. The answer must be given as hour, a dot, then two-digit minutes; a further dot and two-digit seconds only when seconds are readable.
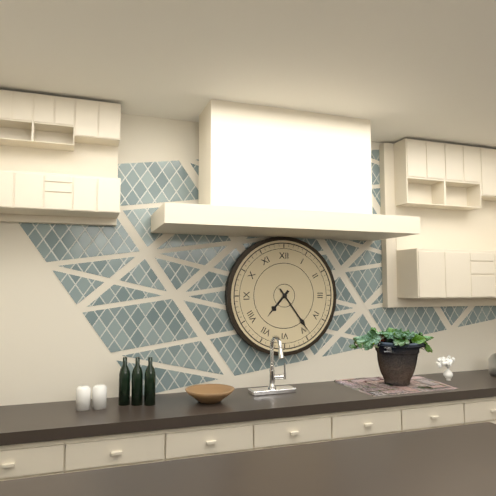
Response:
7.24
